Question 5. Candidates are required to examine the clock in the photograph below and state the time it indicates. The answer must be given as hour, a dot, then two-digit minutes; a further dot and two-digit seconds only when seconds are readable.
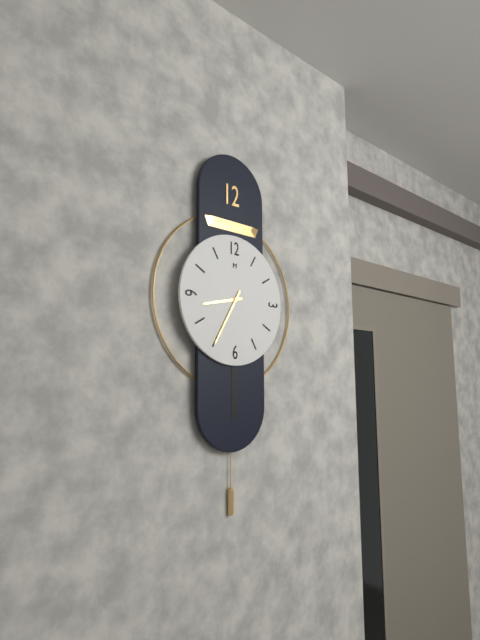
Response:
8.35
